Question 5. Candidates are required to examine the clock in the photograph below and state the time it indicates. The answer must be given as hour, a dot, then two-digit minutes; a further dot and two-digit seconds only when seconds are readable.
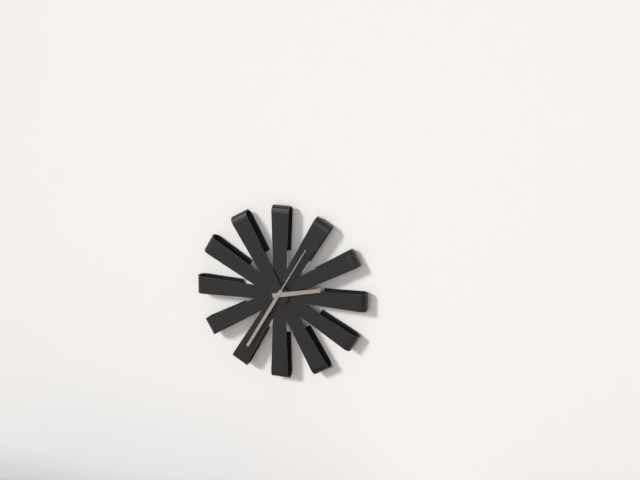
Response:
2.35.05
